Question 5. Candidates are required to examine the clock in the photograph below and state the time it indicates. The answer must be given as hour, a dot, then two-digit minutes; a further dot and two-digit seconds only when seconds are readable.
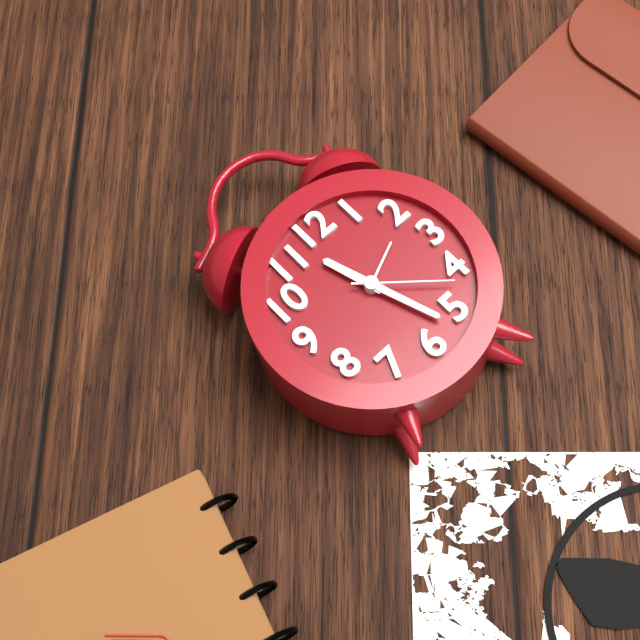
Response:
11.27.22
